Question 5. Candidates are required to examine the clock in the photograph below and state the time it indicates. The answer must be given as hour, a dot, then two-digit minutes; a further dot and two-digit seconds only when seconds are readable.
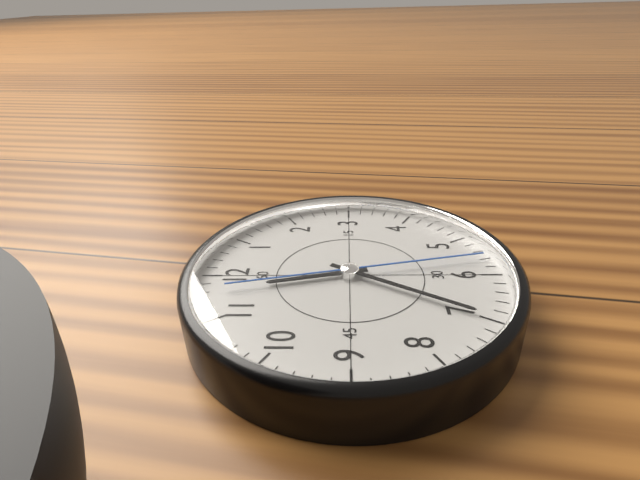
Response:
11.35.28
